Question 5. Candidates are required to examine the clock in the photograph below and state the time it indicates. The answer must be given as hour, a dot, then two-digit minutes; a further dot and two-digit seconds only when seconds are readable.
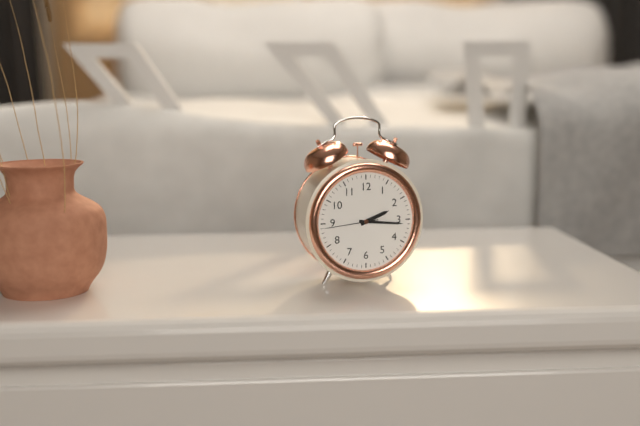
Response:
2.16.44
